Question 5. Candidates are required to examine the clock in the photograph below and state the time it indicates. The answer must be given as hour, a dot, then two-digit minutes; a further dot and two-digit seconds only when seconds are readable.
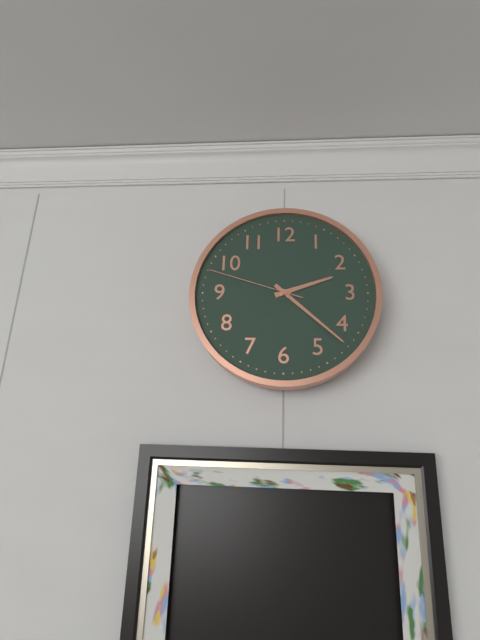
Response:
2.22.48
